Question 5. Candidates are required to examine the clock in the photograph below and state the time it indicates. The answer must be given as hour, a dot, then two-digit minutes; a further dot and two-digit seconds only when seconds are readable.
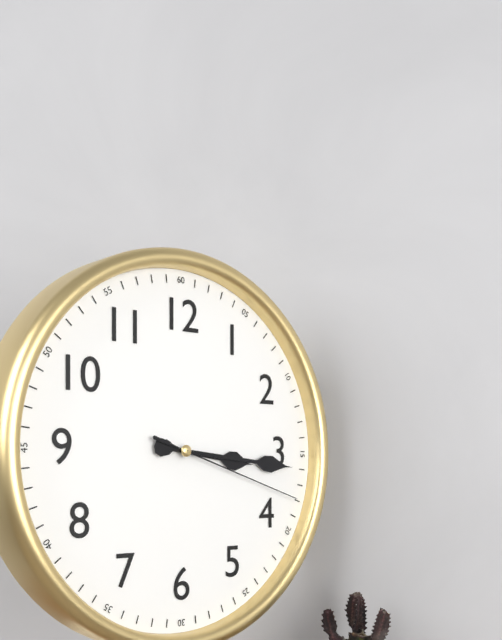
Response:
3.16.18
